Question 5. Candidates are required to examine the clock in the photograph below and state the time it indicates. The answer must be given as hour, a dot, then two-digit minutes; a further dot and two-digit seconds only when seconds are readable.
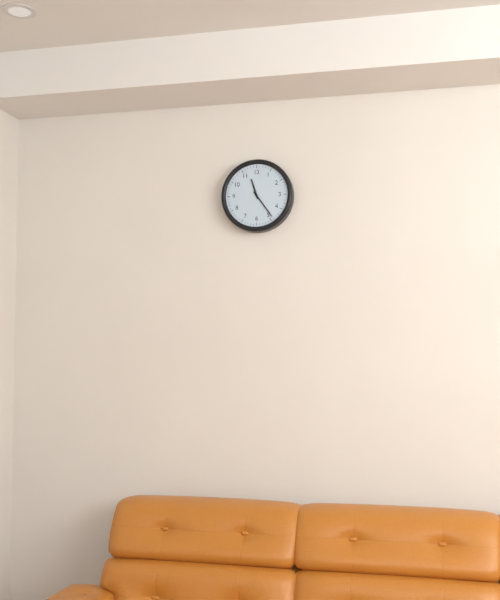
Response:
11.24
